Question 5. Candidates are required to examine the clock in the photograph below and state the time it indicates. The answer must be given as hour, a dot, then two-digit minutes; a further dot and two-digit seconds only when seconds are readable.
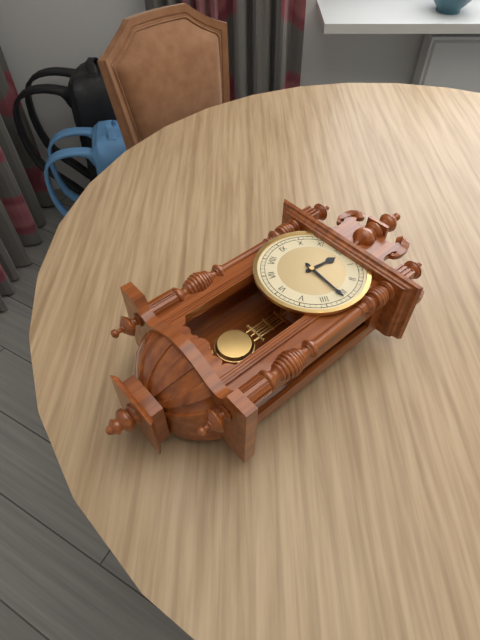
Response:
12.16
